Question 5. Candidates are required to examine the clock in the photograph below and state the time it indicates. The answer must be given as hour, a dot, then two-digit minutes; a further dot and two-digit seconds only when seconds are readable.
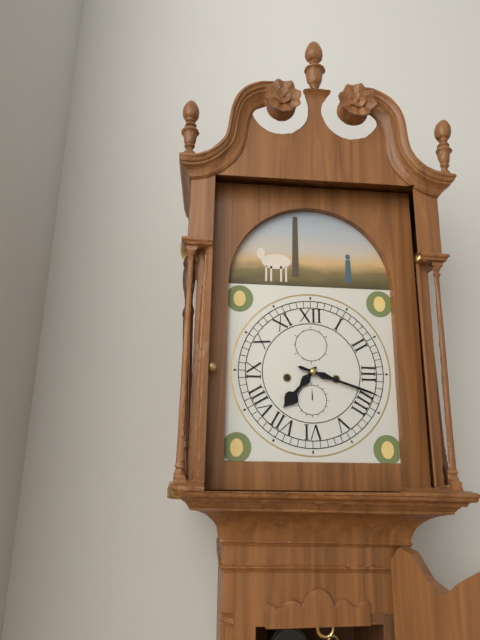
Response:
7.18
